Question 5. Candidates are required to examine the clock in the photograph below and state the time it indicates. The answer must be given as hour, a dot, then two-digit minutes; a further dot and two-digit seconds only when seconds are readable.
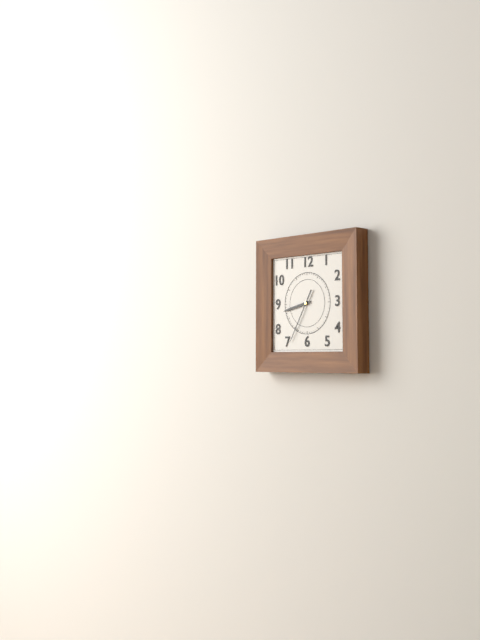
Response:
8.35
